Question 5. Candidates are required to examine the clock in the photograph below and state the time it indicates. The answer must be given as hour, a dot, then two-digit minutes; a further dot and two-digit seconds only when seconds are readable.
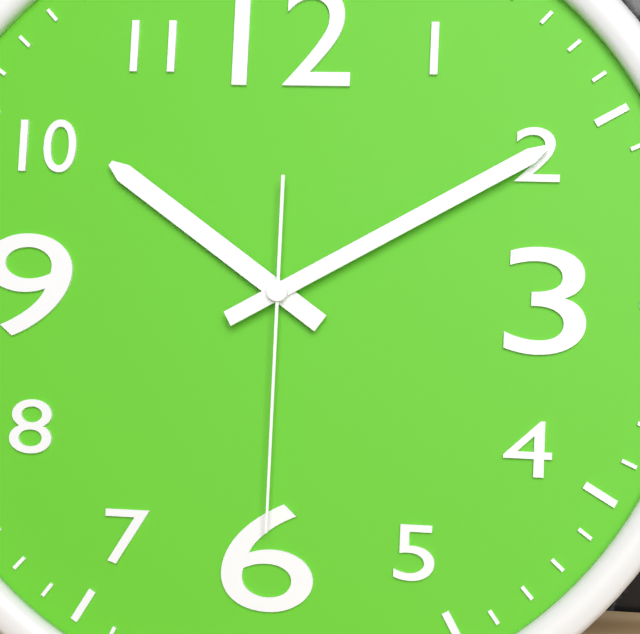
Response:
10.10.30
